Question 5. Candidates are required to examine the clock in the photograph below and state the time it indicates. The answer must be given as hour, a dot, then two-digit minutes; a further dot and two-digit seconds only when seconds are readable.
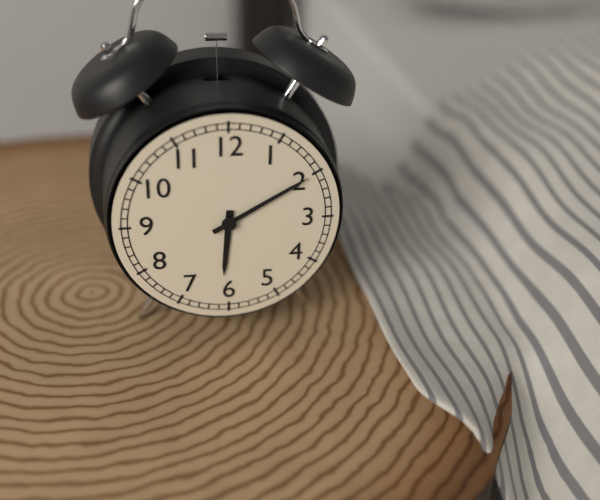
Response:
6.10
